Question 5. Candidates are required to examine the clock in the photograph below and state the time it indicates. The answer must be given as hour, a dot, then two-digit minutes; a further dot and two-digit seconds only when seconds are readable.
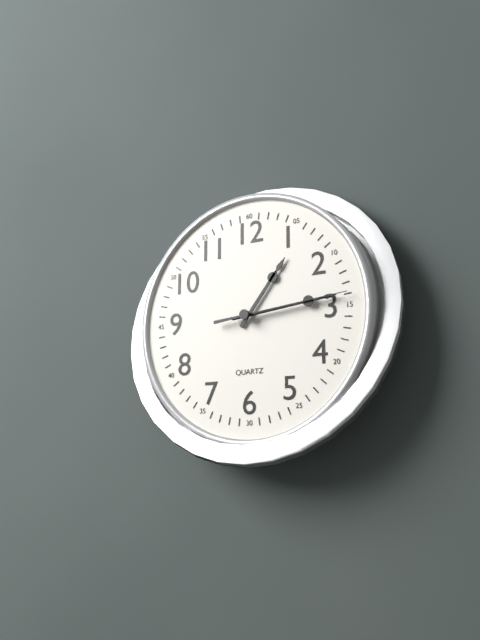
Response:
1.14.14
